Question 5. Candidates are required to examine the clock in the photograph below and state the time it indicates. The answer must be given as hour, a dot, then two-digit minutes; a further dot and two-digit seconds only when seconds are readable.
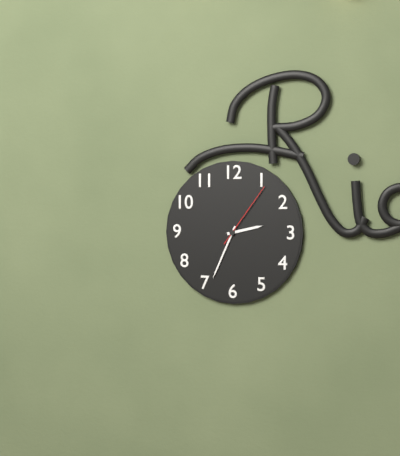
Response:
2.34.06
